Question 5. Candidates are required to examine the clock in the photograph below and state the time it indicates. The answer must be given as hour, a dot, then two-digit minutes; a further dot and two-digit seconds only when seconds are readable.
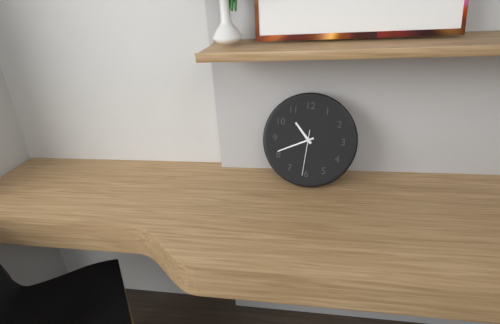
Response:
10.41
